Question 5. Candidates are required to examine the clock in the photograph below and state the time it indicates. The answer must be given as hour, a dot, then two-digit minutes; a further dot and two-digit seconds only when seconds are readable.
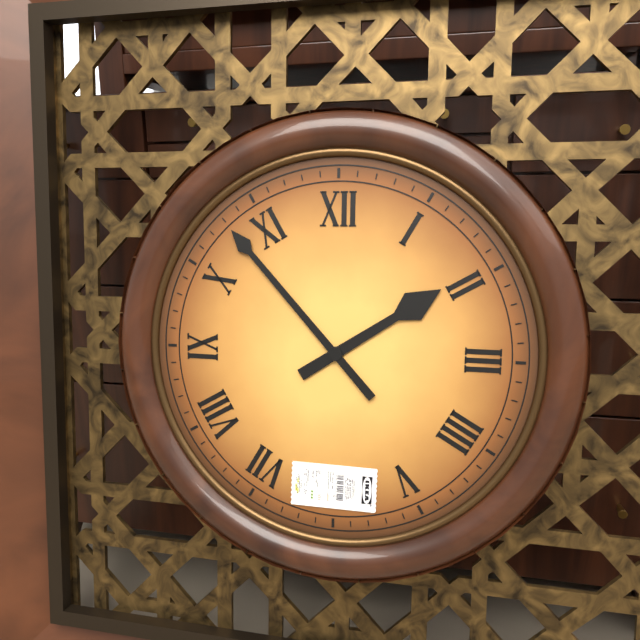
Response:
1.53
